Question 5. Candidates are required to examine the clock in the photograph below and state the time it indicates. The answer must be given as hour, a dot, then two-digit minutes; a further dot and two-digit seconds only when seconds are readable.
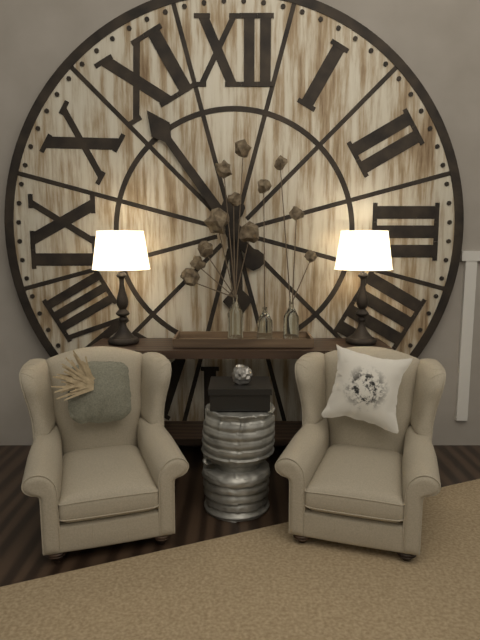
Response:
5.54
